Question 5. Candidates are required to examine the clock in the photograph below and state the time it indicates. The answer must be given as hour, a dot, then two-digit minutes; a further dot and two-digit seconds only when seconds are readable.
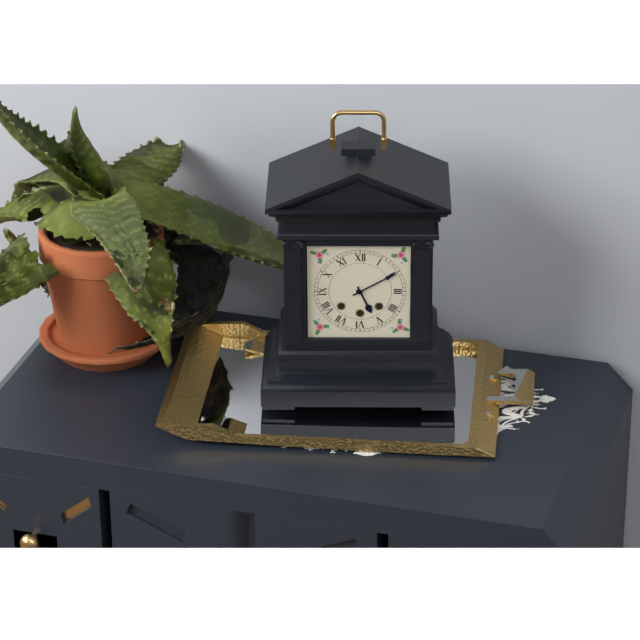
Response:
5.10
